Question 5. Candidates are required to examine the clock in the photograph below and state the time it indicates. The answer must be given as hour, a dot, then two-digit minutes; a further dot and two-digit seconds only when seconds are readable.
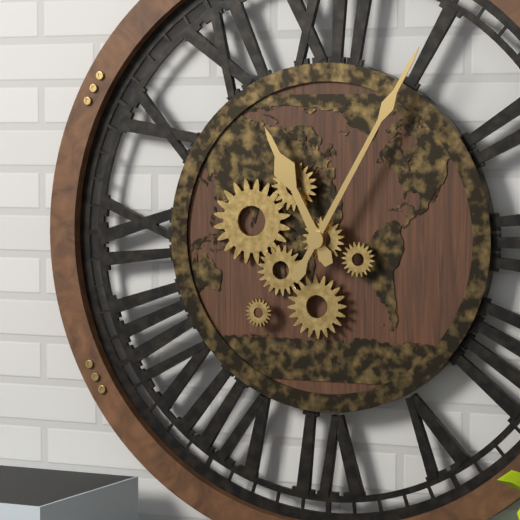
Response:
11.05
